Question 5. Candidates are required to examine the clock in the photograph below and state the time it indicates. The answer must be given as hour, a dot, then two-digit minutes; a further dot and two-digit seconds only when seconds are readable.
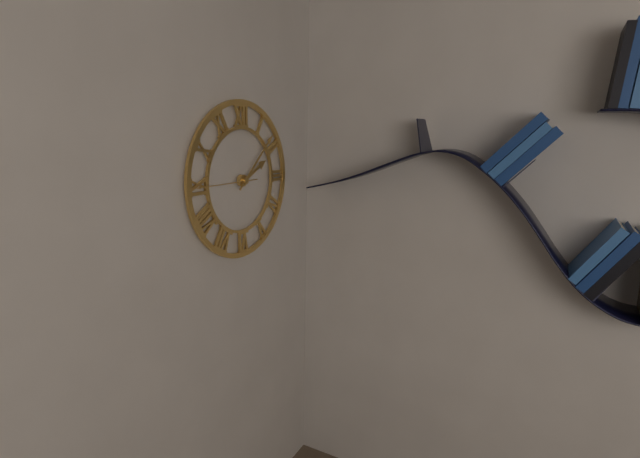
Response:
2.08.45
